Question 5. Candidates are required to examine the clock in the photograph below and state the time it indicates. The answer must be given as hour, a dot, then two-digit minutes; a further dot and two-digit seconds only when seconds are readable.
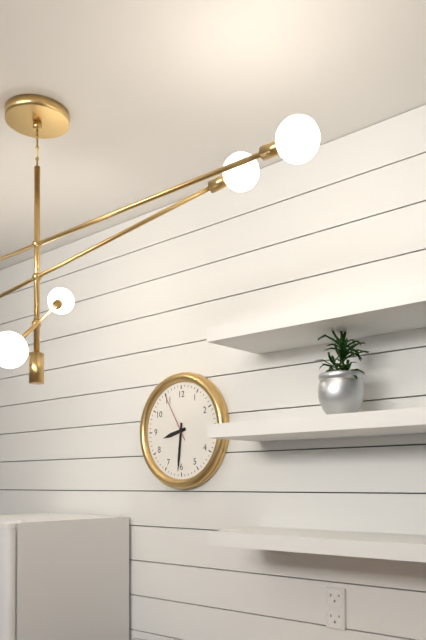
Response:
8.31
